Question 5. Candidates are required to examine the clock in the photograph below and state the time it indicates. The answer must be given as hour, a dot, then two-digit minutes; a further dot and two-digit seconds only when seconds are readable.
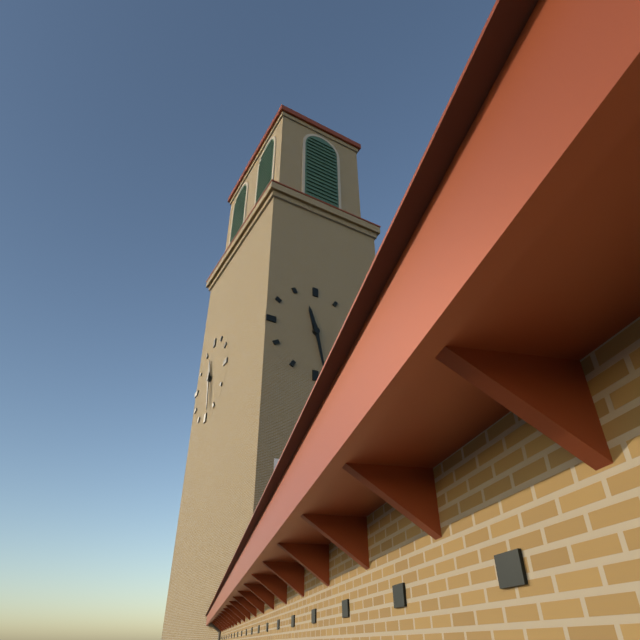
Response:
11.28
